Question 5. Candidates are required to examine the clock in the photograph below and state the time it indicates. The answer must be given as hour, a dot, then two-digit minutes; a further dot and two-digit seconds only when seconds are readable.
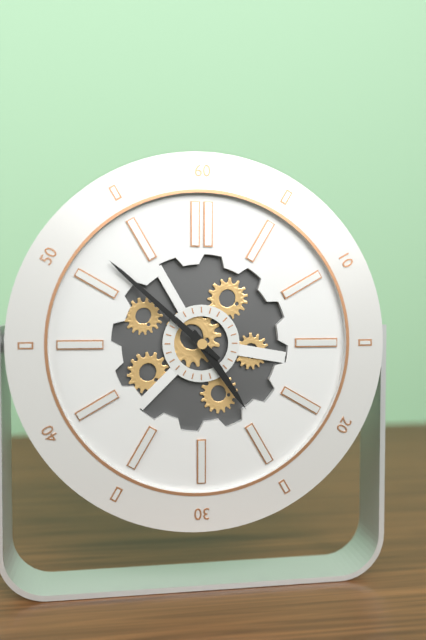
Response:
4.52
